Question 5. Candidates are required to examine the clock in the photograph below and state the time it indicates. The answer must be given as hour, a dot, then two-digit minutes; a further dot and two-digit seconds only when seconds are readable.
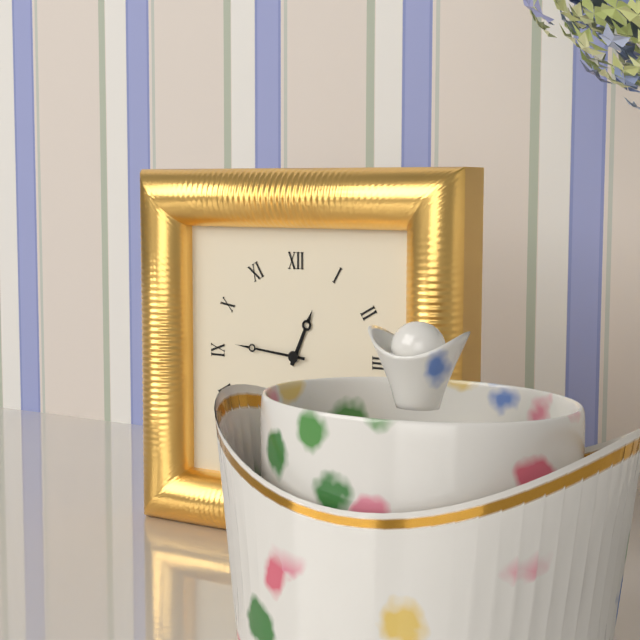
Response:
12.46
